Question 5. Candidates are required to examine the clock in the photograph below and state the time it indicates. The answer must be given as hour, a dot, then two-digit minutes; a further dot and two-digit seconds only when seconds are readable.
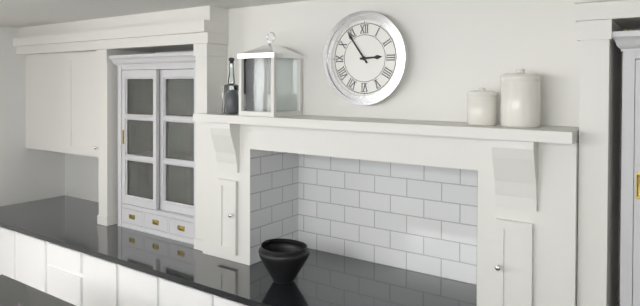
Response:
2.54
